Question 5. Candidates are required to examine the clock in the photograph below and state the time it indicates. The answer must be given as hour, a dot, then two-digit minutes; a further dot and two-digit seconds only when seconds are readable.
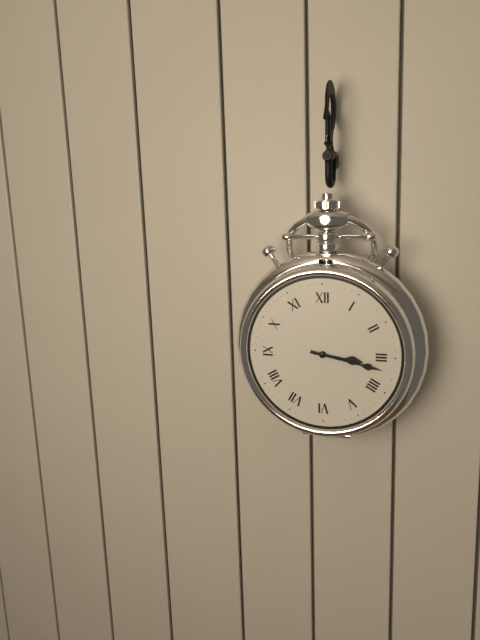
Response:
3.17
